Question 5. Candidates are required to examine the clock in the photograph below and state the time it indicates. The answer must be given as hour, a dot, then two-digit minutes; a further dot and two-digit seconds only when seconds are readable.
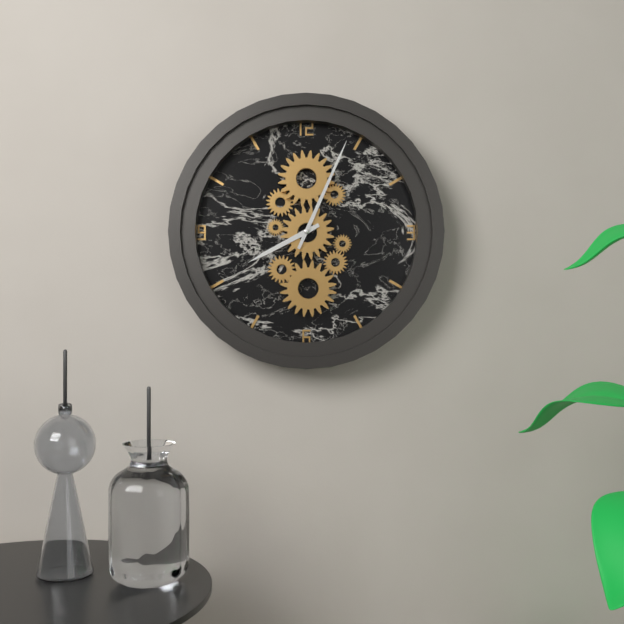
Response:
8.04
